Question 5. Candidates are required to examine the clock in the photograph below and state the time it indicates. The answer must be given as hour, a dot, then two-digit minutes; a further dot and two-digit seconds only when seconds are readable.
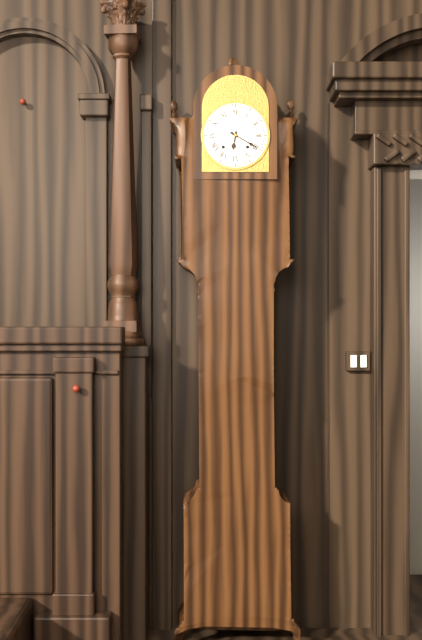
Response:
6.20
